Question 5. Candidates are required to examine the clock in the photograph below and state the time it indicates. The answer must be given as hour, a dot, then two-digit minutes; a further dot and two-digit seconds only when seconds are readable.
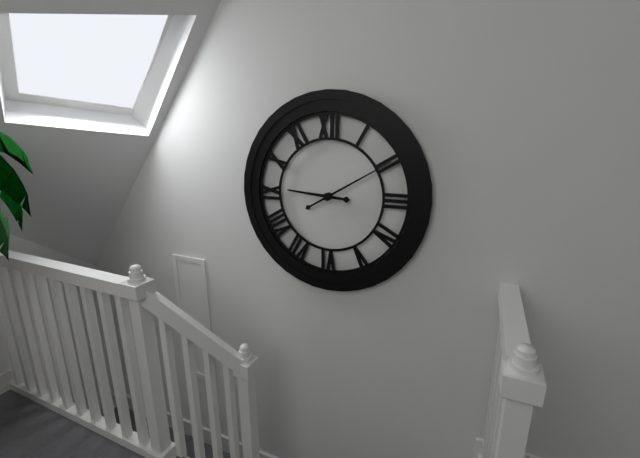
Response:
9.10
